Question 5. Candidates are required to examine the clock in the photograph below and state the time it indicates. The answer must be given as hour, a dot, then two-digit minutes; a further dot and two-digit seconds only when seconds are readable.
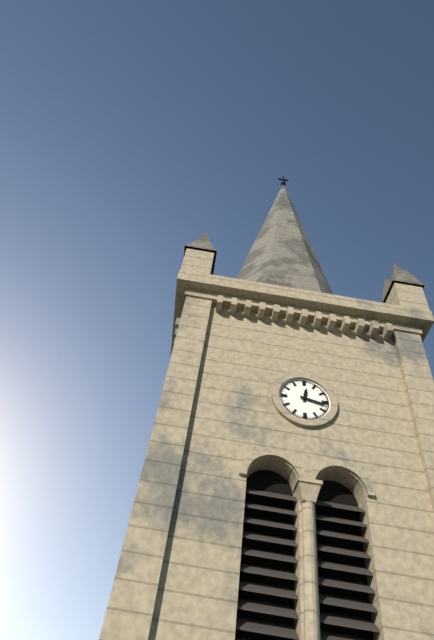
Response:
12.17
